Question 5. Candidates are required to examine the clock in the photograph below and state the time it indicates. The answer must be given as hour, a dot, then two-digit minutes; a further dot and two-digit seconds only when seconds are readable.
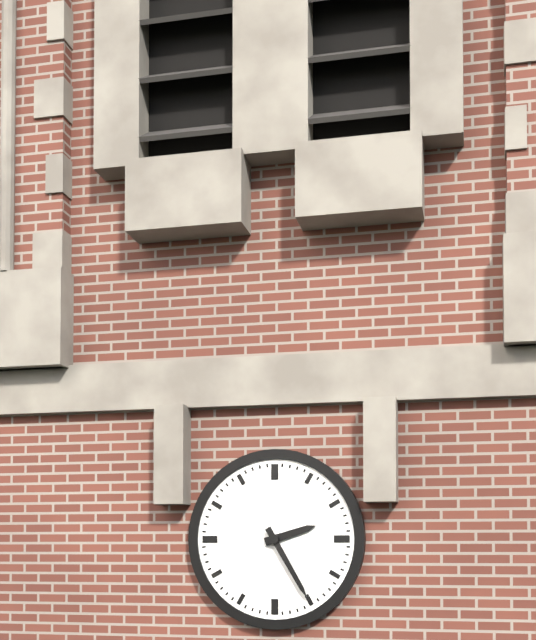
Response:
2.25
